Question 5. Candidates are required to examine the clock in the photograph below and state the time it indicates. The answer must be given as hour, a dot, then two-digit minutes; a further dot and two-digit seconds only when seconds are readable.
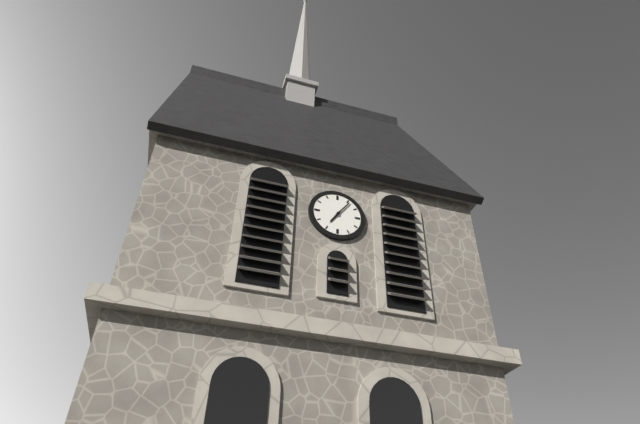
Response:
7.06
